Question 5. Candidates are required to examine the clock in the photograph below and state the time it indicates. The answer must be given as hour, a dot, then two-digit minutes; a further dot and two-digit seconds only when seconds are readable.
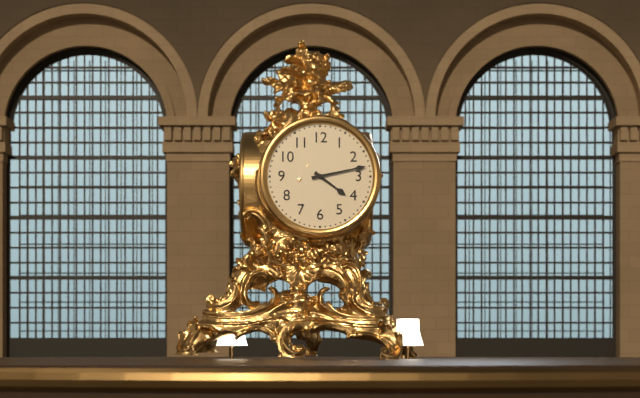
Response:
4.13
